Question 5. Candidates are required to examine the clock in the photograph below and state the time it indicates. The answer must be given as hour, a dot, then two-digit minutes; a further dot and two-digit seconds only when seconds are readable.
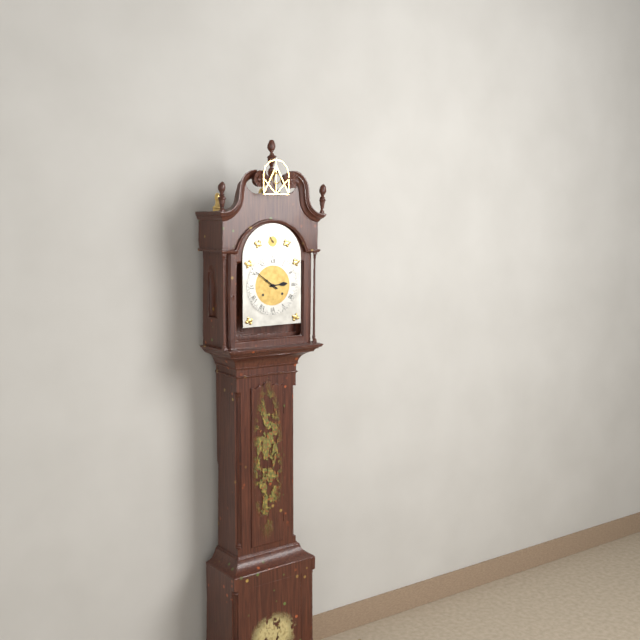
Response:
2.51
